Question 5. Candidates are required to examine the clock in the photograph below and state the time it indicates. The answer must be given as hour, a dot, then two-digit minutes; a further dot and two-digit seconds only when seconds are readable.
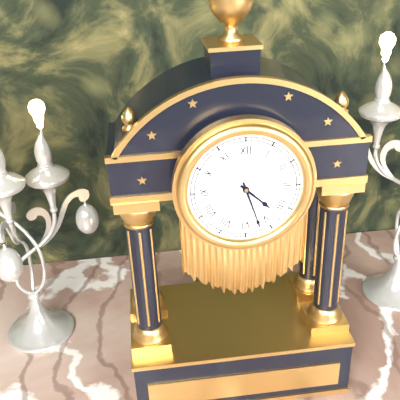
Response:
4.27
